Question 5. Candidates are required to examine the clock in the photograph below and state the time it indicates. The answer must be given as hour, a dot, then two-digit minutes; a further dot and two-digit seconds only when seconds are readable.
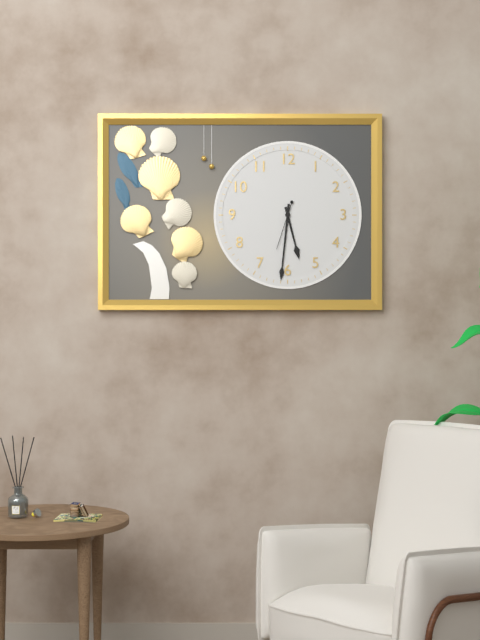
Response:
5.31
